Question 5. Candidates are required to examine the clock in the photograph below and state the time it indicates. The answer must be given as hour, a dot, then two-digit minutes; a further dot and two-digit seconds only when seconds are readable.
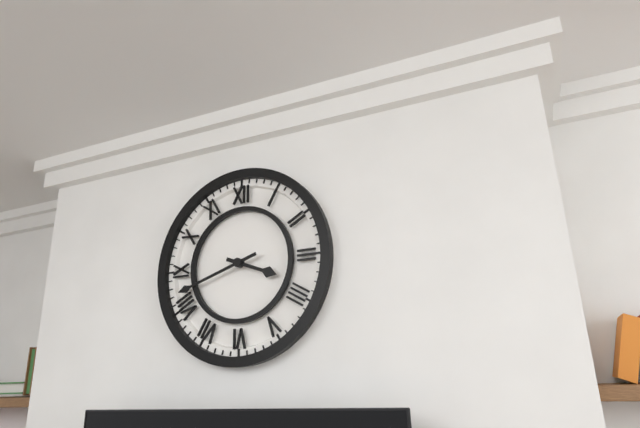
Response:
3.42
